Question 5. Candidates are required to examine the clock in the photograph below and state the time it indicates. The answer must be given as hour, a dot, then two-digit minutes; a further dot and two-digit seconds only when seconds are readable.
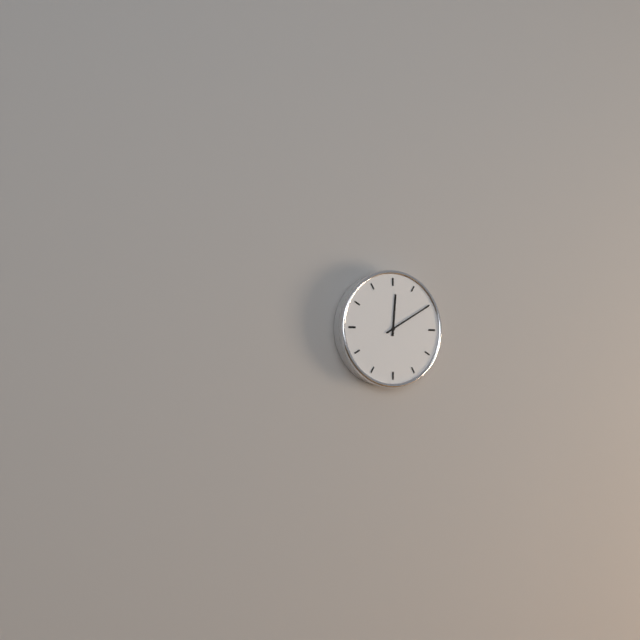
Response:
12.10
